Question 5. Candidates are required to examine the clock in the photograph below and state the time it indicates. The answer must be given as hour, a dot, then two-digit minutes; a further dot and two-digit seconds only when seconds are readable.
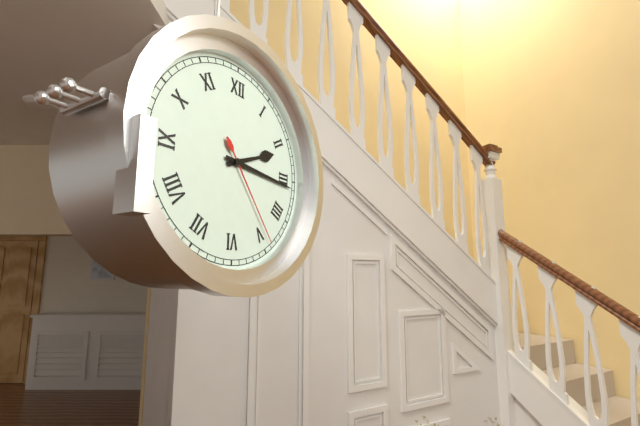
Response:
2.16.24
